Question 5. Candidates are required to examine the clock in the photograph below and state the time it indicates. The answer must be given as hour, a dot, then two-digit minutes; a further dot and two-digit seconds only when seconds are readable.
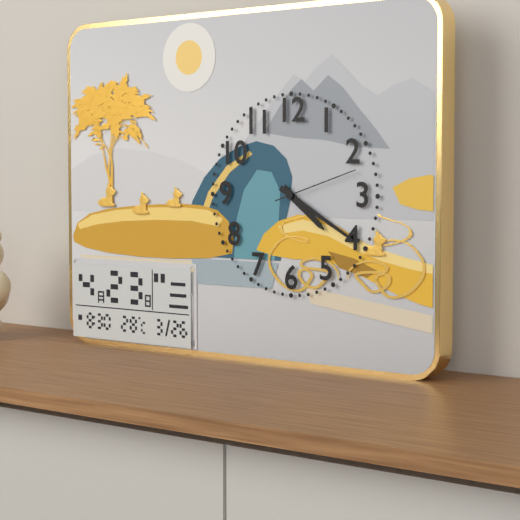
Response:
4.20.12
